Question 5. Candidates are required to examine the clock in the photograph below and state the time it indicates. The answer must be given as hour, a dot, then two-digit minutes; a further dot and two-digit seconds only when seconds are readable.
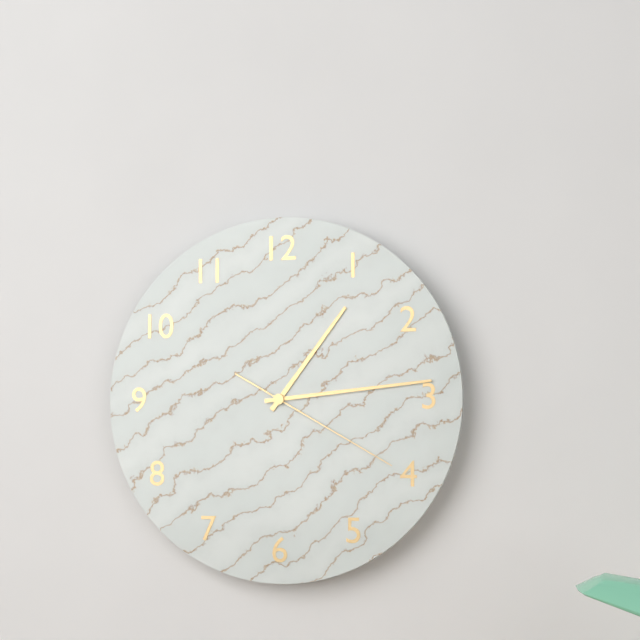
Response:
1.14.20
